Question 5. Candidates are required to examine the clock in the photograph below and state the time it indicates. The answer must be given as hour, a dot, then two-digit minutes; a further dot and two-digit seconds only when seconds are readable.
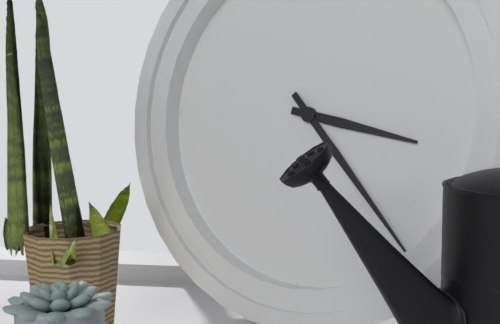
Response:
3.23
